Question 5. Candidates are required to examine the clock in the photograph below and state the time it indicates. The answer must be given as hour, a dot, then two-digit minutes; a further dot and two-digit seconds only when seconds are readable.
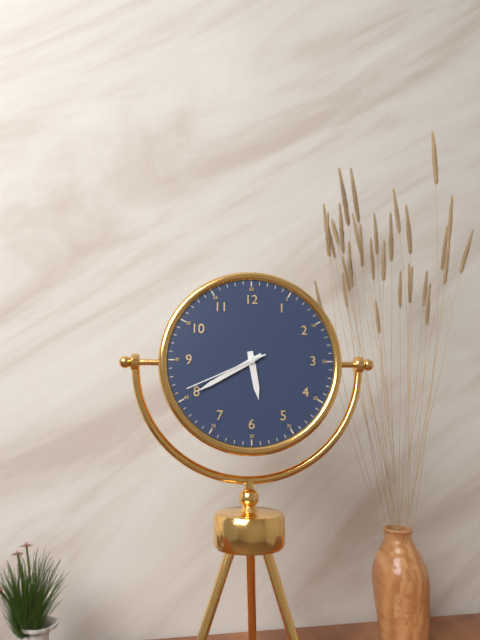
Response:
5.40.41
